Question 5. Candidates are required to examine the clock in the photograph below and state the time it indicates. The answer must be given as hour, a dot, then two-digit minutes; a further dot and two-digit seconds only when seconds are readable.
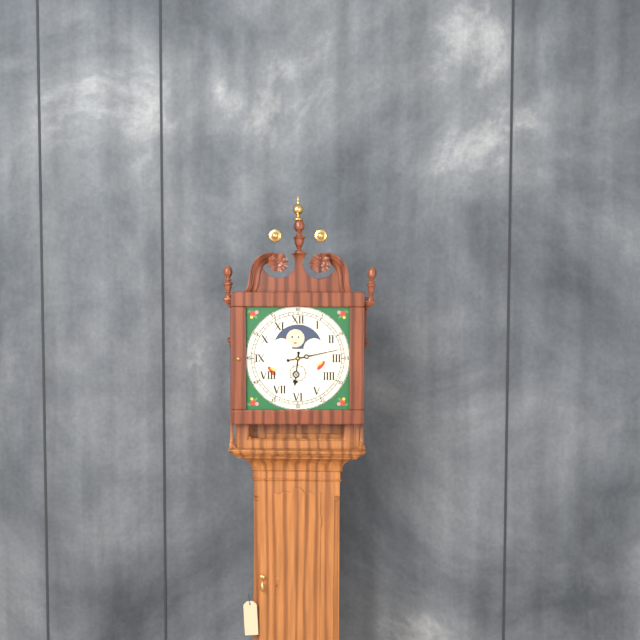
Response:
6.13
